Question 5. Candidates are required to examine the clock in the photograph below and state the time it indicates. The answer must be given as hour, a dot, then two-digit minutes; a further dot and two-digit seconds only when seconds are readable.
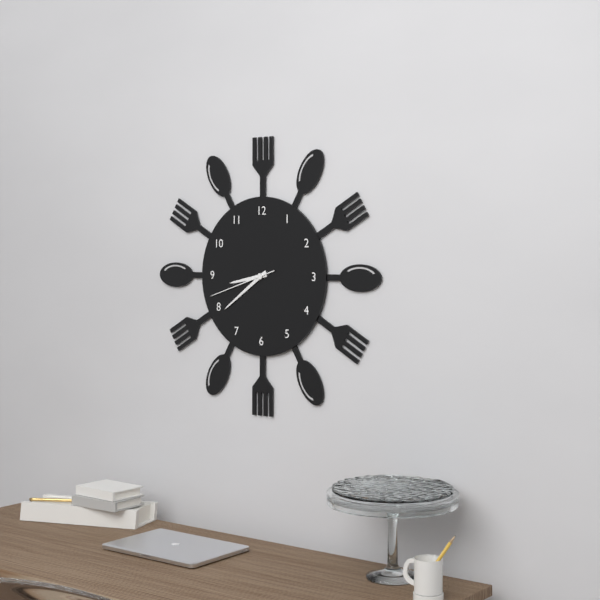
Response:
8.39.42
